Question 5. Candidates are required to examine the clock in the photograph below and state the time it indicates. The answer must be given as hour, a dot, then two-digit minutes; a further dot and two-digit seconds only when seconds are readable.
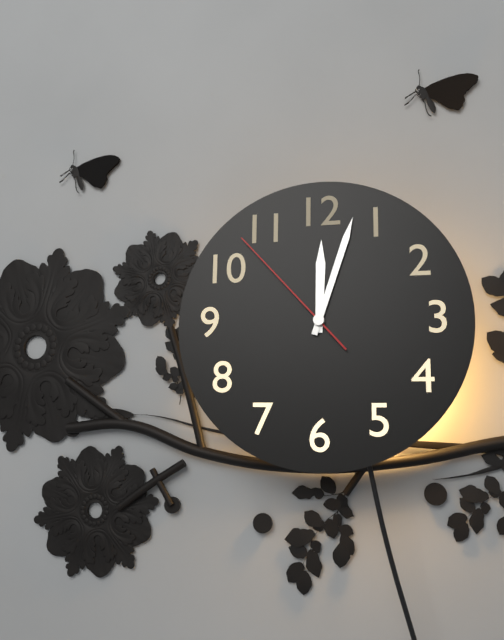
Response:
12.03.53
